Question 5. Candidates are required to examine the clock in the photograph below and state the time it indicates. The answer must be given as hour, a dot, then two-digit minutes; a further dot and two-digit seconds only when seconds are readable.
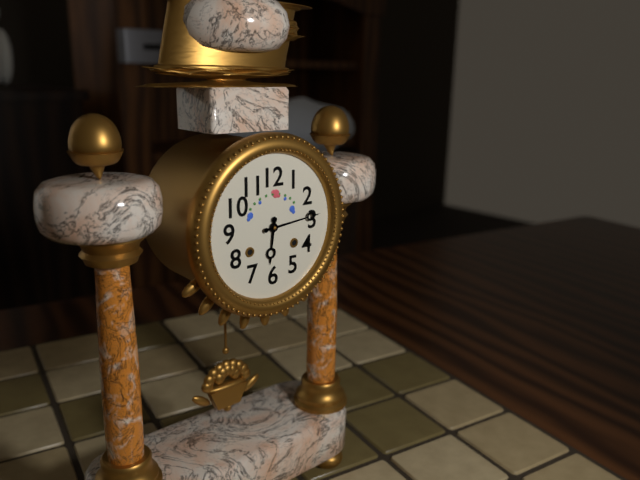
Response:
6.14
